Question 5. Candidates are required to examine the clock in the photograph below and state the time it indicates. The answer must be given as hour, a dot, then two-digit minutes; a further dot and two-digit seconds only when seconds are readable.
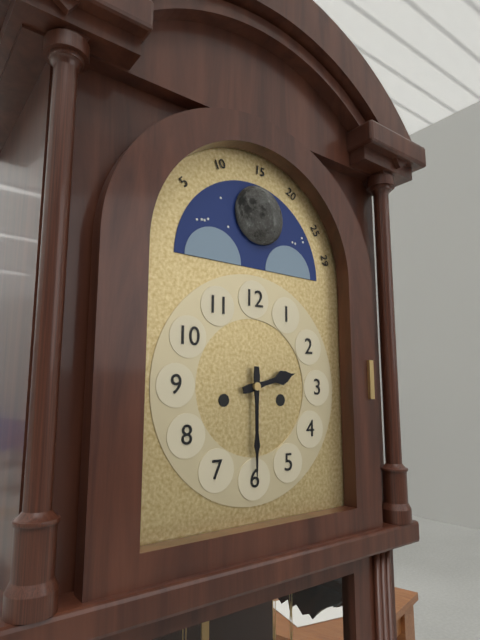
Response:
2.30
